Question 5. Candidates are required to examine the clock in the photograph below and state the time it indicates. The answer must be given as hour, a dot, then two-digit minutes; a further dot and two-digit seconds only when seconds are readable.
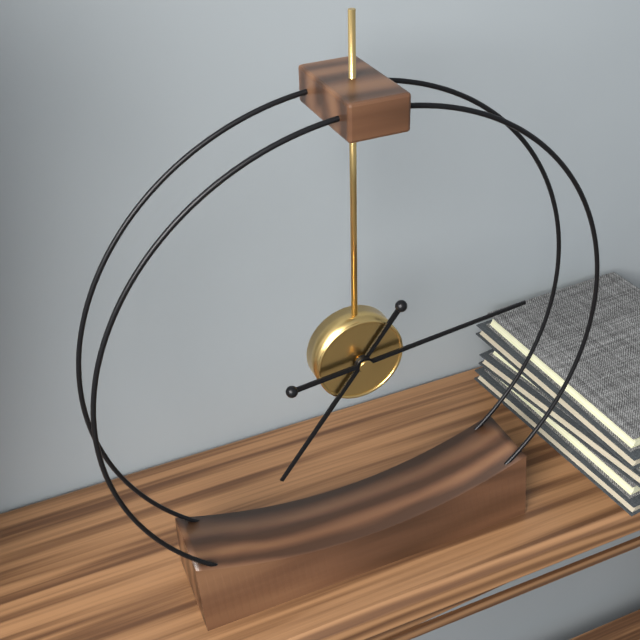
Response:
7.14
